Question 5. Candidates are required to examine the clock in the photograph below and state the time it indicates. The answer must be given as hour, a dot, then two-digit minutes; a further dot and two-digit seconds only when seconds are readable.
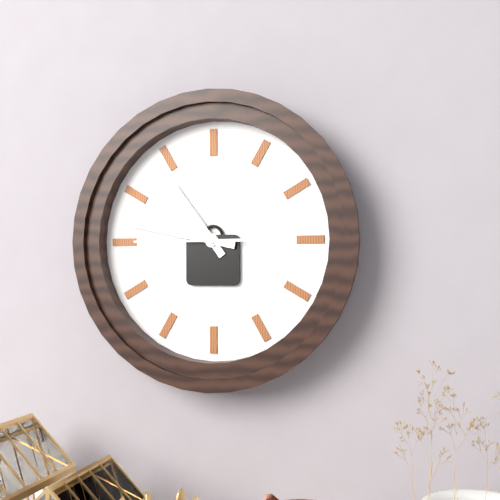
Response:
10.47.45
